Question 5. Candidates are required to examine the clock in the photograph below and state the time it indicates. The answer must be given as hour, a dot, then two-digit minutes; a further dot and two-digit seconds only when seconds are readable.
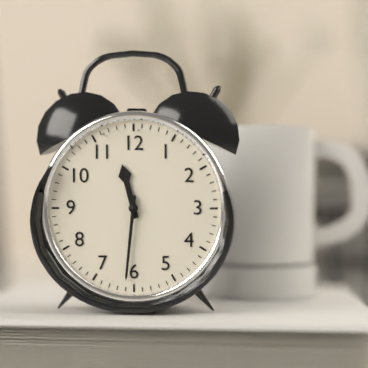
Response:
11.31
